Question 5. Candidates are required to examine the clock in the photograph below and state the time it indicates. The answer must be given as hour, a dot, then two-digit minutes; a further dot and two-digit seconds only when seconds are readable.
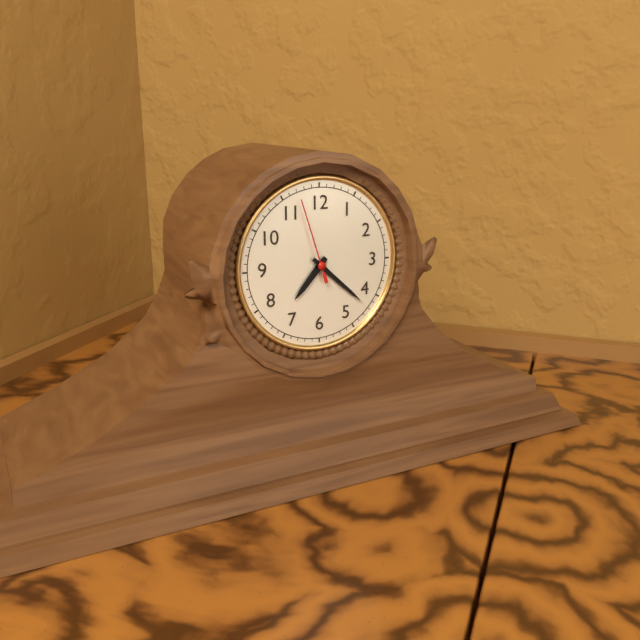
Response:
7.22.57
